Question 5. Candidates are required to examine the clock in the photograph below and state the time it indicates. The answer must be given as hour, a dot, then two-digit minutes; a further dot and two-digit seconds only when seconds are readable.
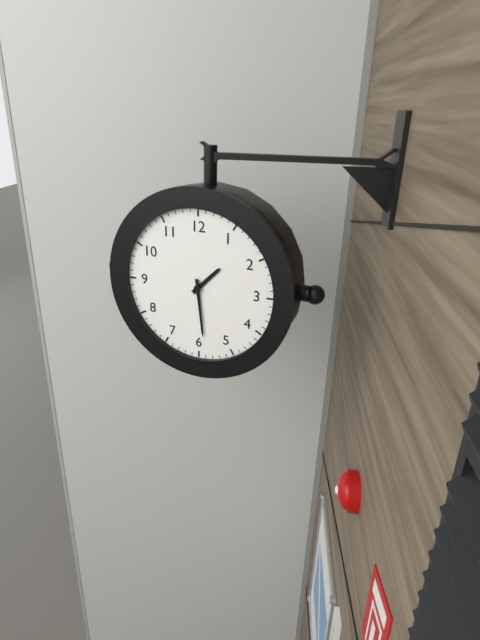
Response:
1.29
